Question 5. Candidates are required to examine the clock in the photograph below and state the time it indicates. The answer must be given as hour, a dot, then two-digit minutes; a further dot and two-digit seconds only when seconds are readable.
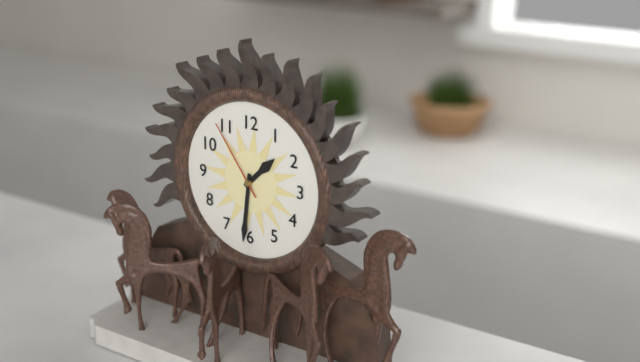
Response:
1.31.54
